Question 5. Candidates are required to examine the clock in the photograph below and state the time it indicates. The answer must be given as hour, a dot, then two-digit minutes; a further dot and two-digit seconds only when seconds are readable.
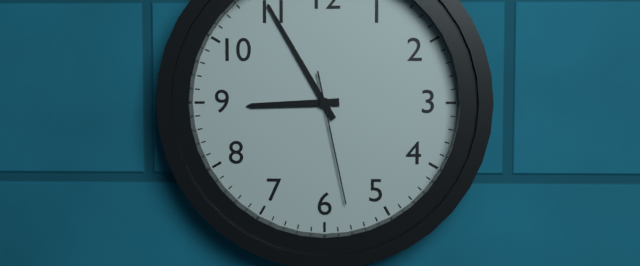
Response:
8.55.28
